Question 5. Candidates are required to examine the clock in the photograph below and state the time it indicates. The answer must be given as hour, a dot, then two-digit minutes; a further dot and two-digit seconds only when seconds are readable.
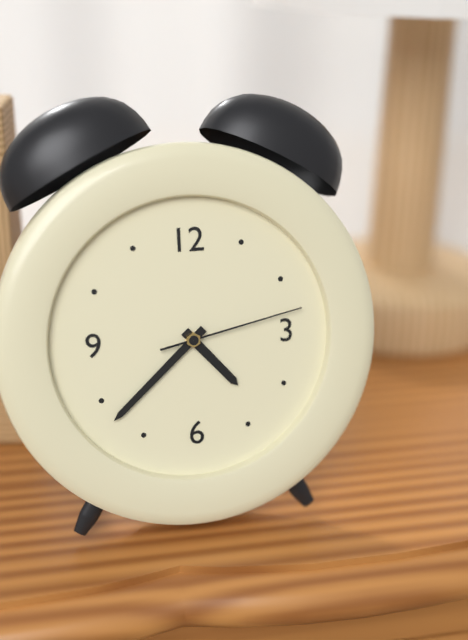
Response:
4.38.13
